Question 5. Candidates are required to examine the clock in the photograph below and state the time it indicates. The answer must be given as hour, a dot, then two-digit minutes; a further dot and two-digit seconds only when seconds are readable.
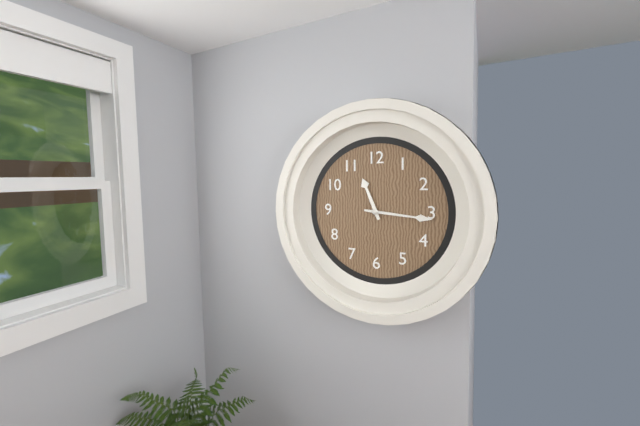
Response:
11.16
